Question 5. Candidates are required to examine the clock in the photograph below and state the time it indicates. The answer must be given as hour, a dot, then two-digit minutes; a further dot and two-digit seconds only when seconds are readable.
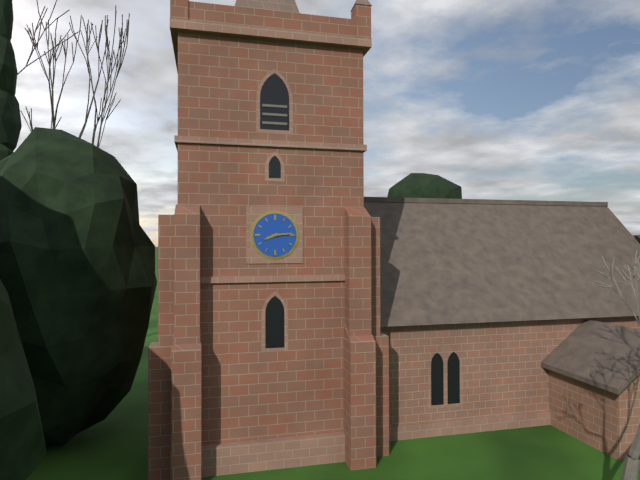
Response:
8.14
